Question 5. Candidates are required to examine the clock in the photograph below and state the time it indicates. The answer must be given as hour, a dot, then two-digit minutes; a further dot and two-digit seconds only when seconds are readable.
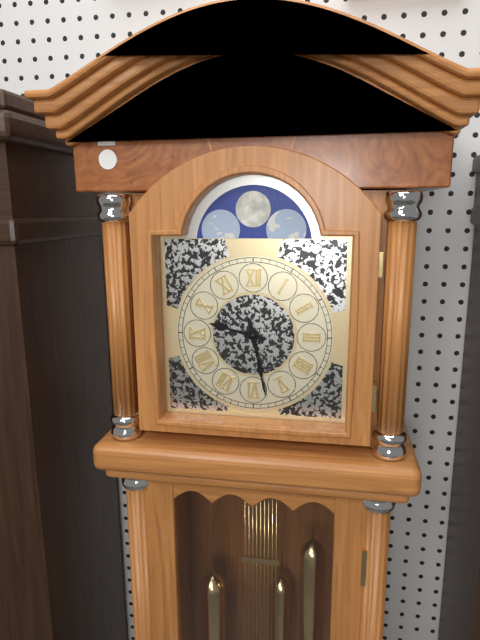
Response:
9.28
